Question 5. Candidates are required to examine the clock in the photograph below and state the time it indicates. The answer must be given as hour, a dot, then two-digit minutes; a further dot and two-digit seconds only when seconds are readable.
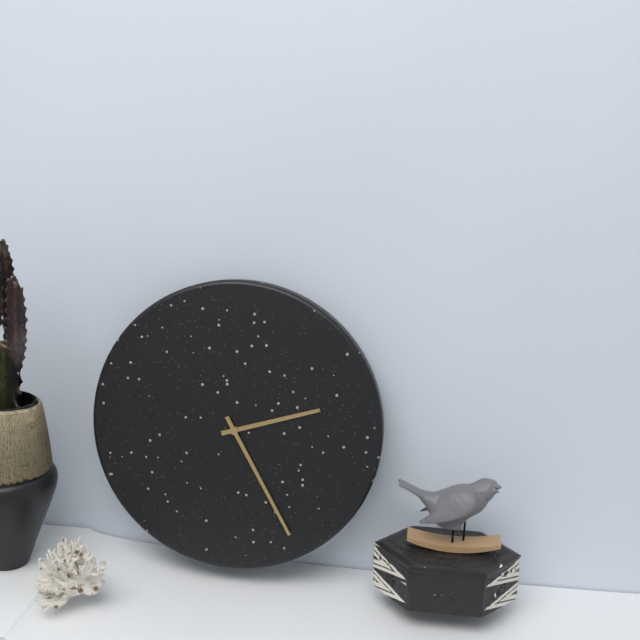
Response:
2.25
